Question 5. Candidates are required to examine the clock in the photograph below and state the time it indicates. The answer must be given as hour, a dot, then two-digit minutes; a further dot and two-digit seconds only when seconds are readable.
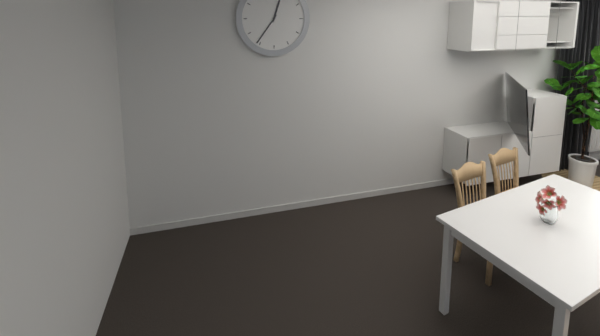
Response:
12.36
